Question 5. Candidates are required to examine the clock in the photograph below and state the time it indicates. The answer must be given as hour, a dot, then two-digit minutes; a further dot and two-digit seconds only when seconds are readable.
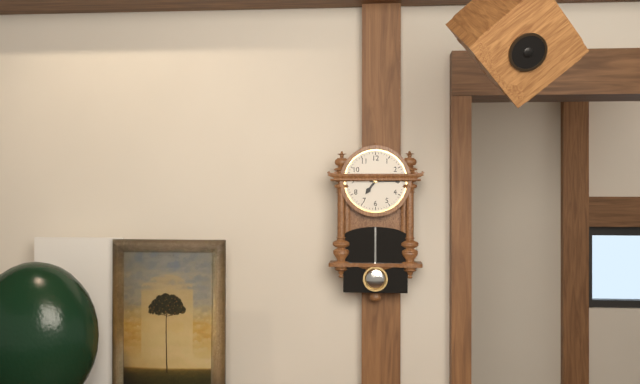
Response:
7.15
